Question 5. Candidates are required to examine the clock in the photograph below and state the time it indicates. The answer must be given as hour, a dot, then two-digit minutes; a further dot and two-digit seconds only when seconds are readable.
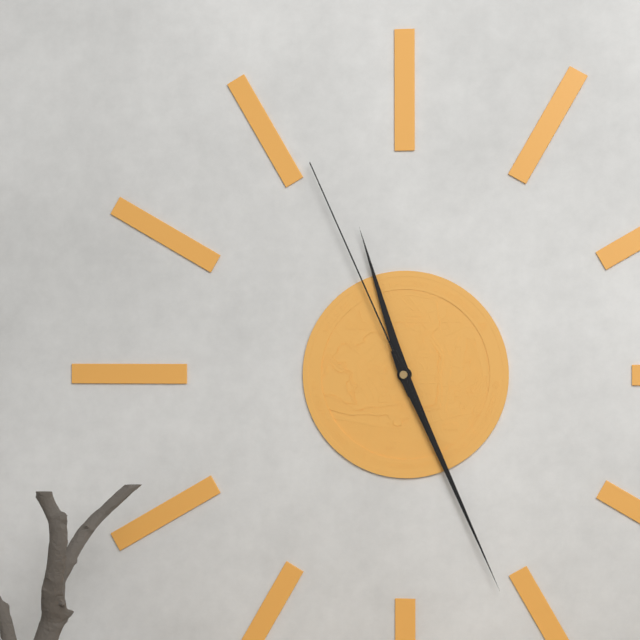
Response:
11.26.56
